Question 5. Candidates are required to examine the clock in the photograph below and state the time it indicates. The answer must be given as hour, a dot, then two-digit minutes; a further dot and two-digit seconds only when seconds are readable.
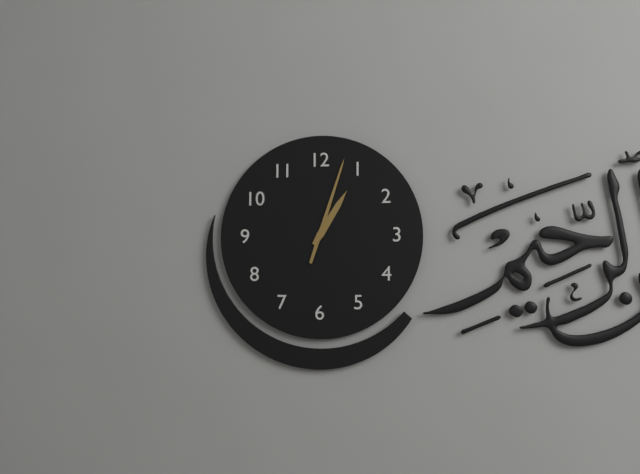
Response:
1.03
